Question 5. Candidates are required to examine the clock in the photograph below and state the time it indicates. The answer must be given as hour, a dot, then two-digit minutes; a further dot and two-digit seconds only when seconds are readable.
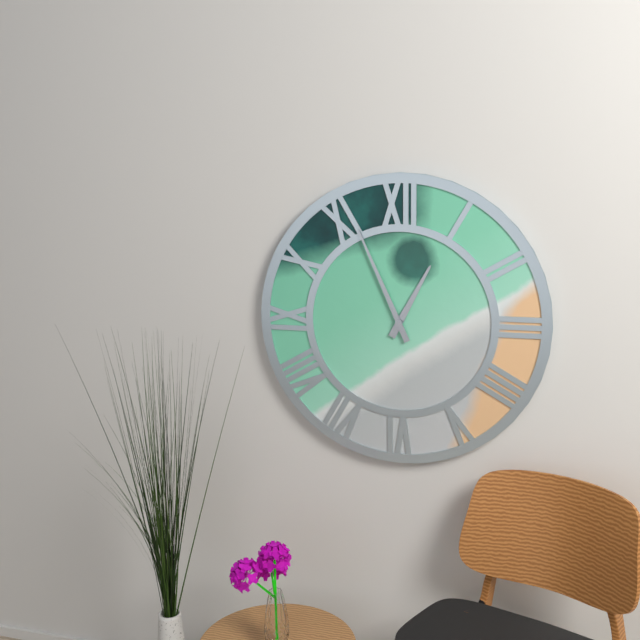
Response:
12.56
